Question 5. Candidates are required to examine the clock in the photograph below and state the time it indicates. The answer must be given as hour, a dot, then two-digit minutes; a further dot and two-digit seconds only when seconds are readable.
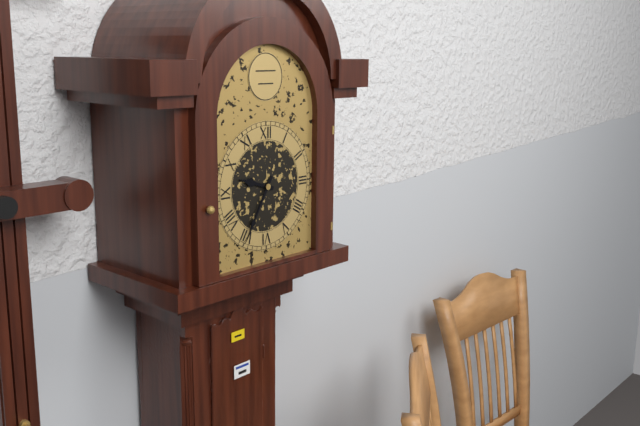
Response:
9.35
